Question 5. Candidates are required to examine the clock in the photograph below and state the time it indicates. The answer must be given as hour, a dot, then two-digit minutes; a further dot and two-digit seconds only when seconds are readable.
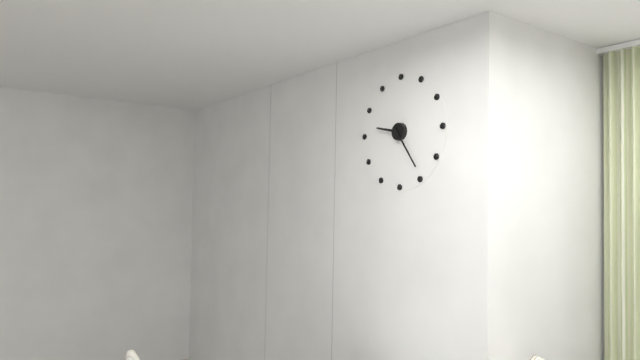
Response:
9.24
